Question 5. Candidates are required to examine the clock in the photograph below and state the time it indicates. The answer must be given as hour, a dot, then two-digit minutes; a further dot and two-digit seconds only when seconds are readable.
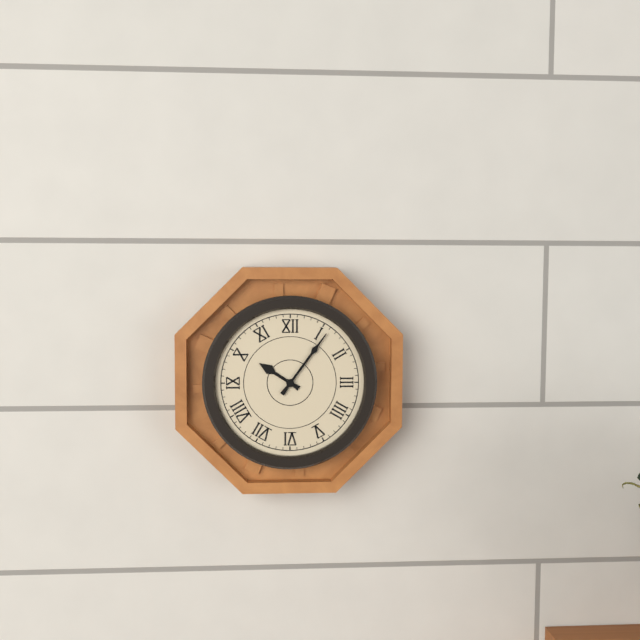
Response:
10.06
